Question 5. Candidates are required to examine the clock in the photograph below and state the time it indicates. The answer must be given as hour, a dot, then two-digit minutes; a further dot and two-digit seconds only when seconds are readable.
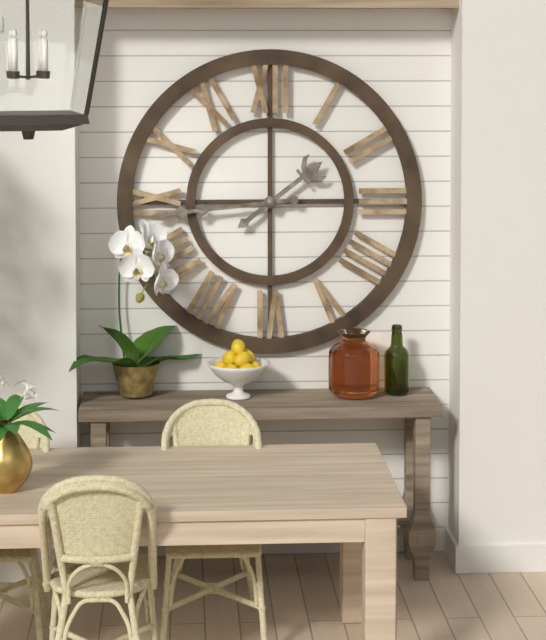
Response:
1.44
